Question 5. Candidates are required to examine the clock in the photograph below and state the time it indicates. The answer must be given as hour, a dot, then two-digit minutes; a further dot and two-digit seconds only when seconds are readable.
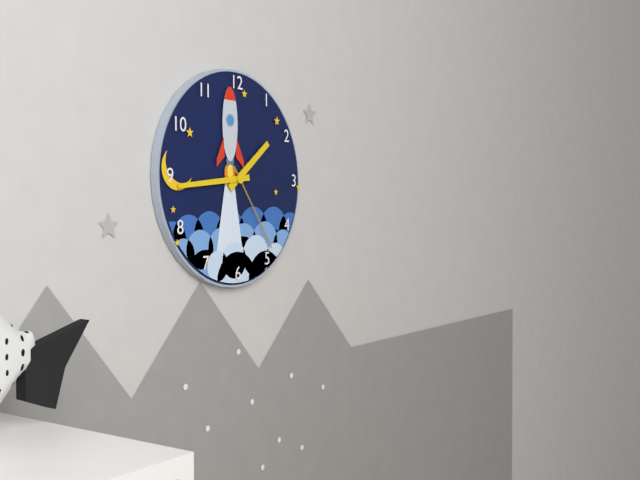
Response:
1.44.24
